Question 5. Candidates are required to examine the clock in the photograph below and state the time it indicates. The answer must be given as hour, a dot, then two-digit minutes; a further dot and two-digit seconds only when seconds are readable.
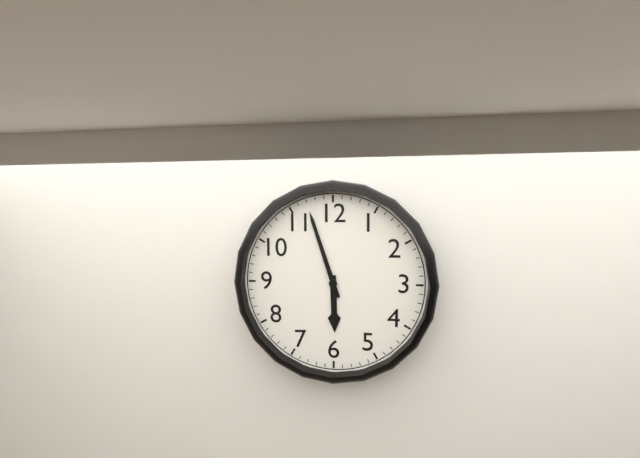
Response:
5.57
